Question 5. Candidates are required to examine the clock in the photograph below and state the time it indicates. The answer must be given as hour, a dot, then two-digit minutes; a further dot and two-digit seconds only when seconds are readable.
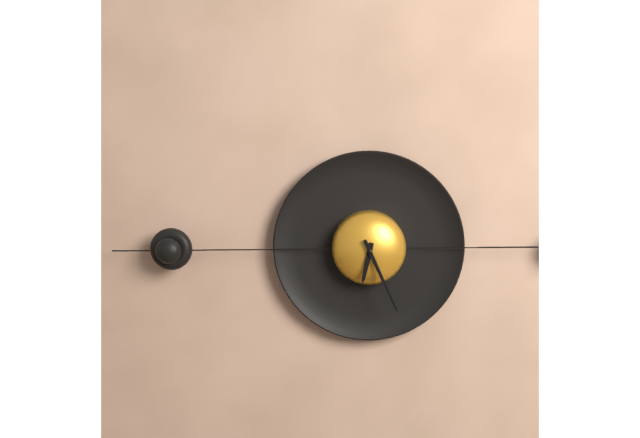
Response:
6.26
